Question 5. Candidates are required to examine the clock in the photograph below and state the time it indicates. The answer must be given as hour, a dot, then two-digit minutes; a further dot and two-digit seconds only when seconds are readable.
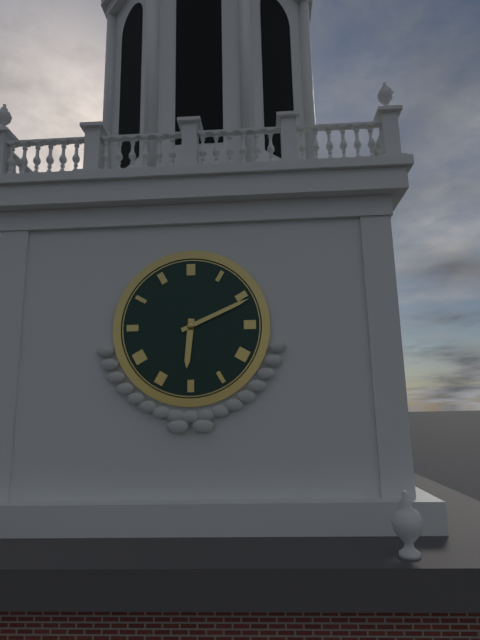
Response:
6.11
